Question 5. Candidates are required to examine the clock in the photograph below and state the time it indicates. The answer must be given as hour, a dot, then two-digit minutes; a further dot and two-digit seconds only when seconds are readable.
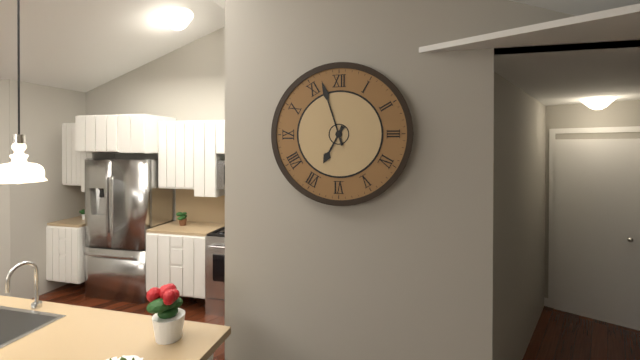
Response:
6.57
